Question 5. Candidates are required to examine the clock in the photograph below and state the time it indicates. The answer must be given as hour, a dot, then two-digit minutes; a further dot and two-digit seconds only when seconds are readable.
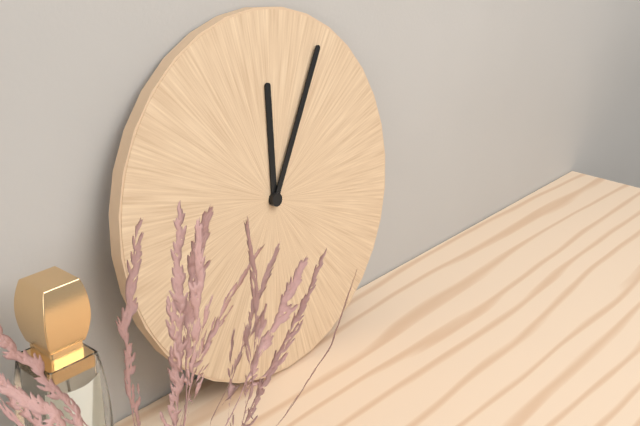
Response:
12.05
